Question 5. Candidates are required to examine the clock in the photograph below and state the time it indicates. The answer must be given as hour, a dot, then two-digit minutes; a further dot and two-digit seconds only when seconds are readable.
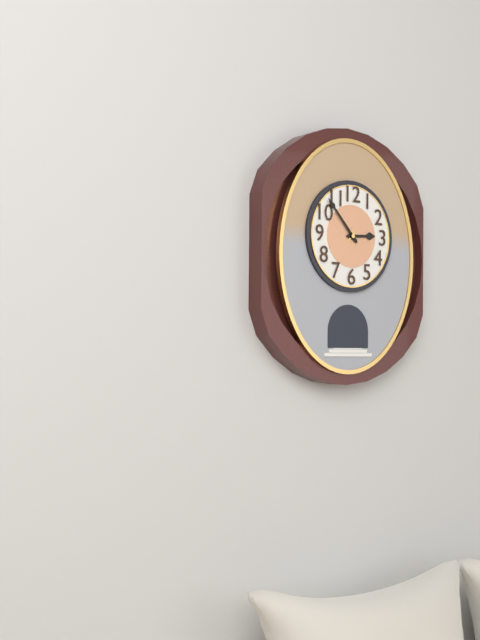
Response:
2.53
